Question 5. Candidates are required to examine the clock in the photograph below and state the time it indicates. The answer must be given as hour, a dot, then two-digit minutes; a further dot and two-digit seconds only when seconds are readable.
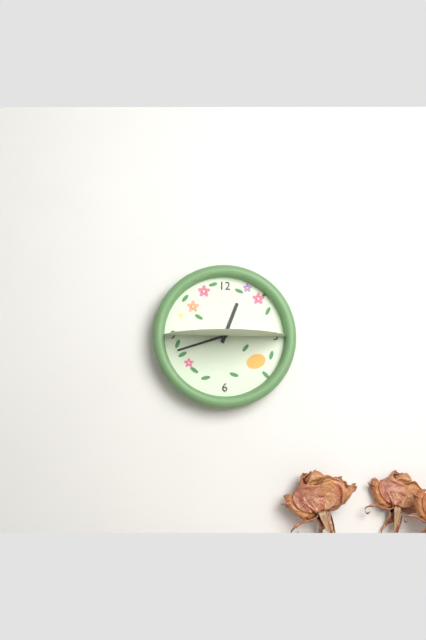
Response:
12.42
